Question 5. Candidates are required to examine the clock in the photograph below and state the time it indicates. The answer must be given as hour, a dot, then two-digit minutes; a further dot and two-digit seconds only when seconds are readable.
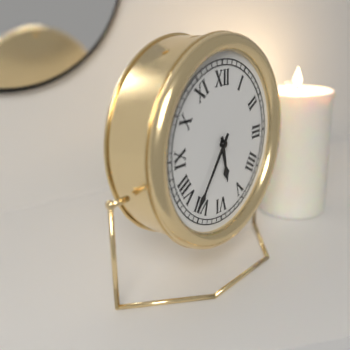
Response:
5.36
